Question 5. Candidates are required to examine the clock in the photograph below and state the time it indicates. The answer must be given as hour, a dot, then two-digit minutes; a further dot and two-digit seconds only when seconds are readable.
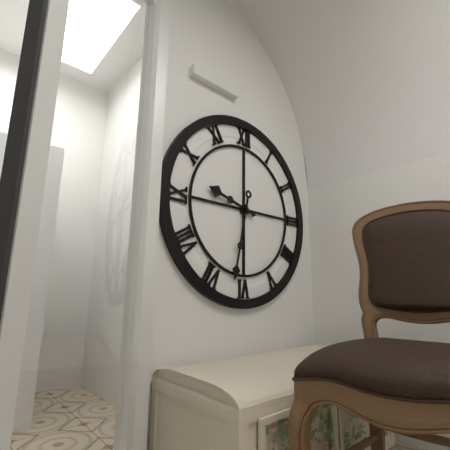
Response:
9.32
